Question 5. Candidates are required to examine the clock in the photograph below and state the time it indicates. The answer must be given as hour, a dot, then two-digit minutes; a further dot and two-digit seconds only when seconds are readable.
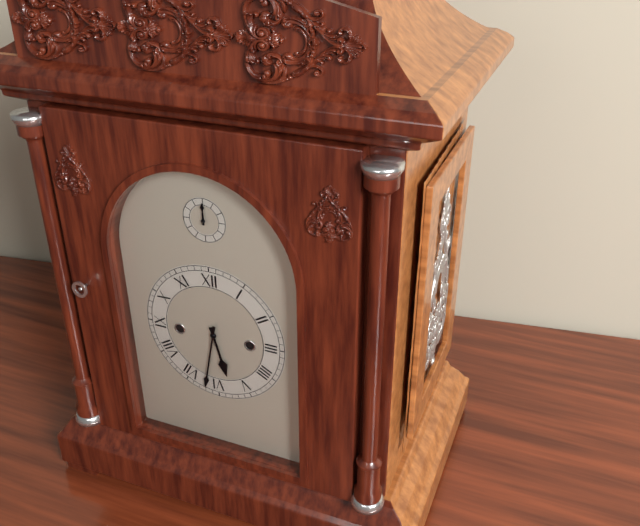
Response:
5.32
